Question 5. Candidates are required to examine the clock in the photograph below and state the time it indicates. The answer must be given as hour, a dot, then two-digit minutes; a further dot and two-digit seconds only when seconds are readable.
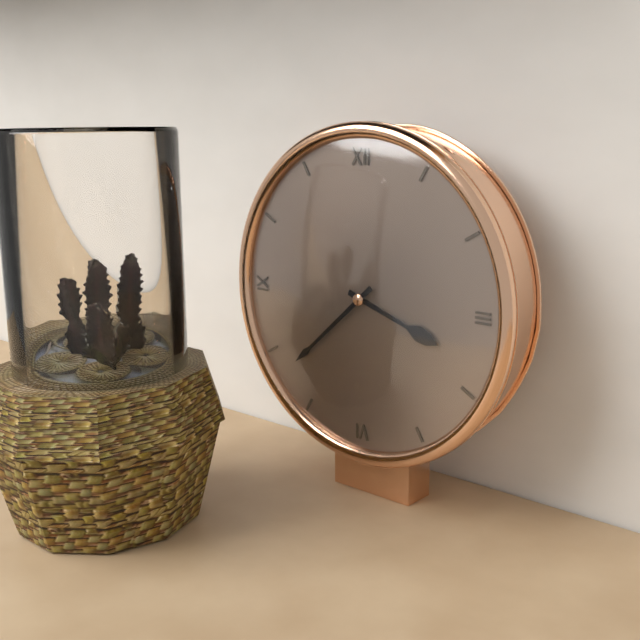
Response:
3.38
